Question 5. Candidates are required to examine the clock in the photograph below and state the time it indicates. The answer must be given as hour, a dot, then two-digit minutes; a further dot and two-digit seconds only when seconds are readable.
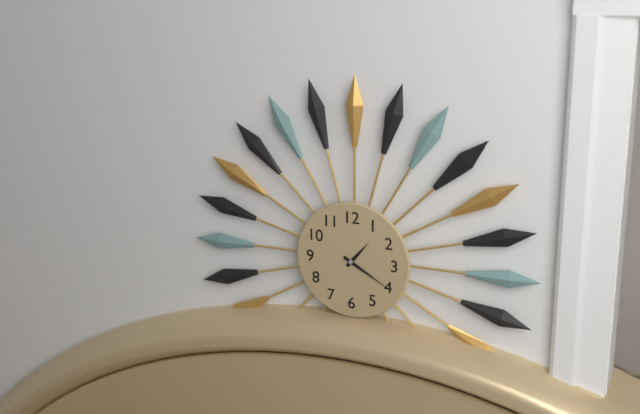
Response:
1.20
